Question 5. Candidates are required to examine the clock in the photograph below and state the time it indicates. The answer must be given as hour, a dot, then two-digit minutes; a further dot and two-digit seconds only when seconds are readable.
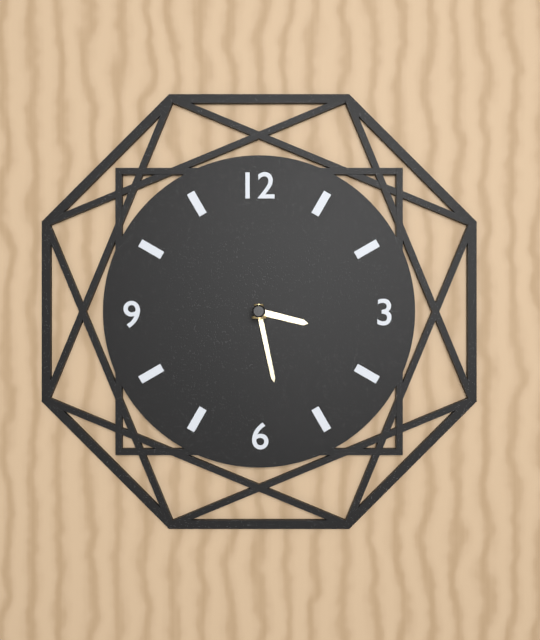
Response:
3.28
